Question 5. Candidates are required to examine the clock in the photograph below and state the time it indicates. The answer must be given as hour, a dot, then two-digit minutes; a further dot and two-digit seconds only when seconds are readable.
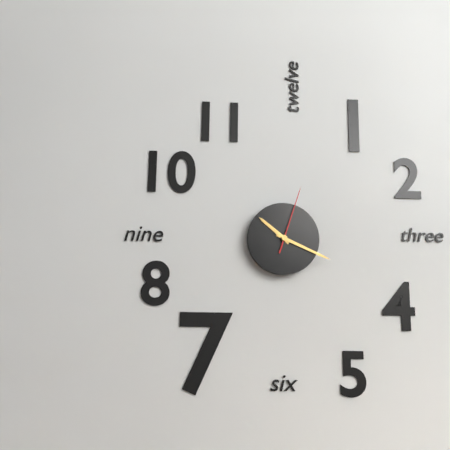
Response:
10.19.03
